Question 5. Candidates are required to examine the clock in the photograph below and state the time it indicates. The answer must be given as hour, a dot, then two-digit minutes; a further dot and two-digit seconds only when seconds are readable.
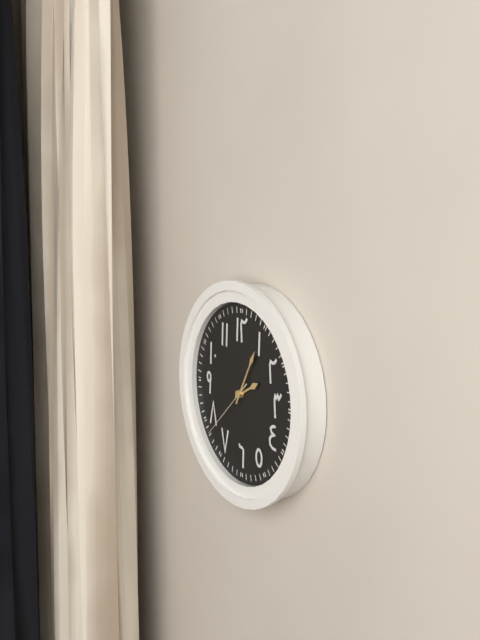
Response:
2.05.38
